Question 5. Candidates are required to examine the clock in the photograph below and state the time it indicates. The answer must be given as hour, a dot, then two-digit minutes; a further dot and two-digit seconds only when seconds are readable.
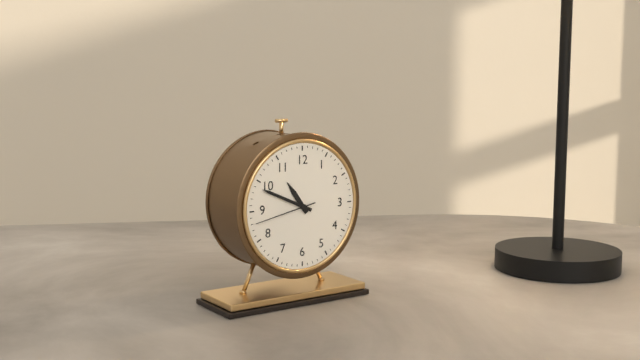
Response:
10.49.43
